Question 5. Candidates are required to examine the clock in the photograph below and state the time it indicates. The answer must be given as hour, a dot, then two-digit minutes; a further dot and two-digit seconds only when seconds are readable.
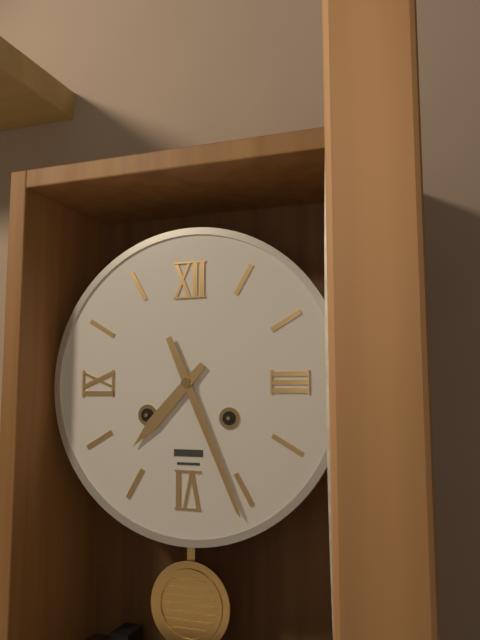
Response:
7.26
